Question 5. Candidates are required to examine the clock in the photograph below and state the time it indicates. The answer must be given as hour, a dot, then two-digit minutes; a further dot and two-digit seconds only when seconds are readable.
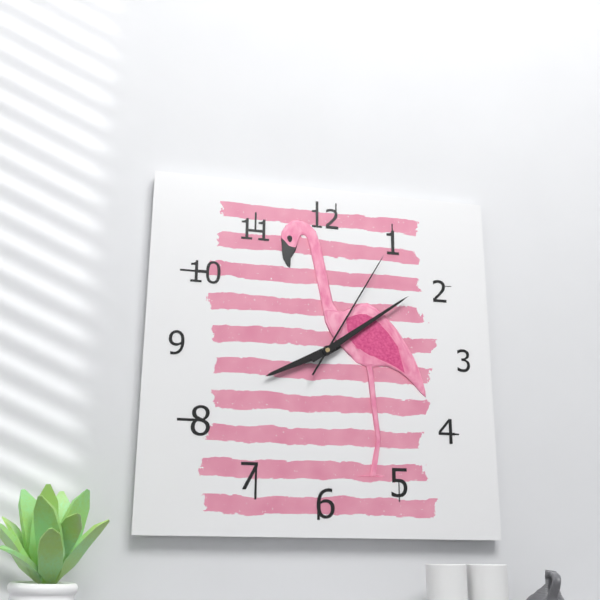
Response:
8.09.05
